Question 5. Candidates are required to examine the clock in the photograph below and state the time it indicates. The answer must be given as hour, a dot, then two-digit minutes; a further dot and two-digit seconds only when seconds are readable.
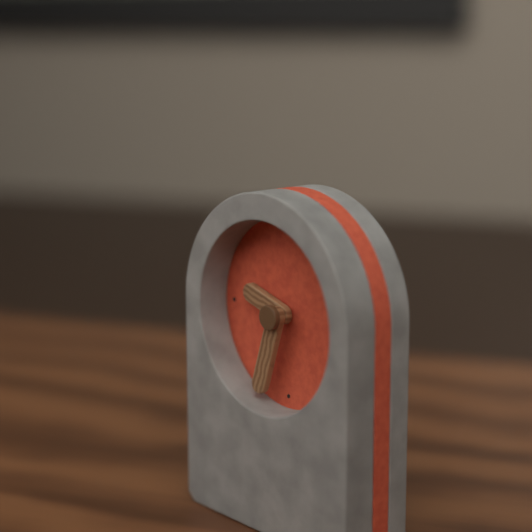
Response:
9.33
